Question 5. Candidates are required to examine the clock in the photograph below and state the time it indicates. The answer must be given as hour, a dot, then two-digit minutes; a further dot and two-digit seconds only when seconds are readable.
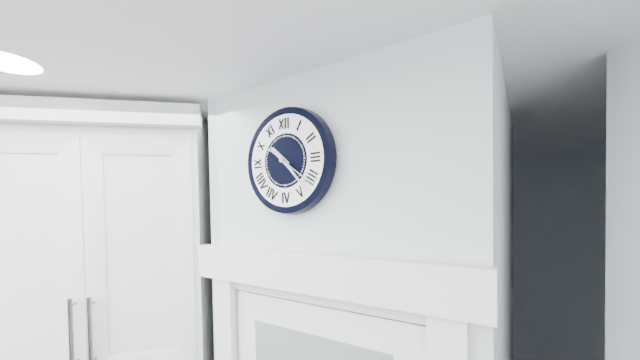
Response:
10.23
